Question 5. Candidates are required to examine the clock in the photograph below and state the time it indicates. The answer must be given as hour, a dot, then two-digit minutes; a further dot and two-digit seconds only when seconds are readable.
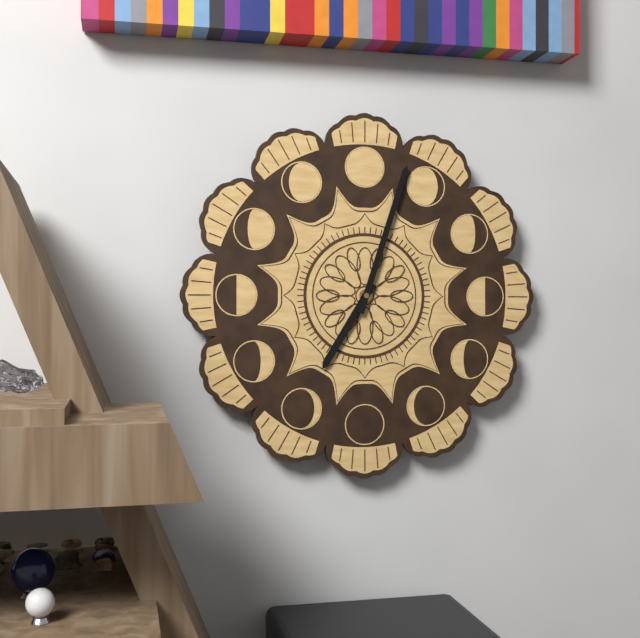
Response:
7.03
